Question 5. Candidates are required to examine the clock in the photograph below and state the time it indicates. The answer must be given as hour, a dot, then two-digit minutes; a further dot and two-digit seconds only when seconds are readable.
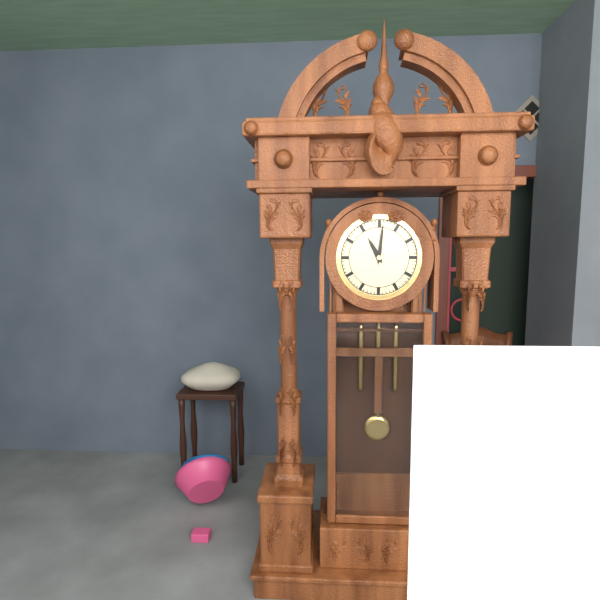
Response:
11.01
